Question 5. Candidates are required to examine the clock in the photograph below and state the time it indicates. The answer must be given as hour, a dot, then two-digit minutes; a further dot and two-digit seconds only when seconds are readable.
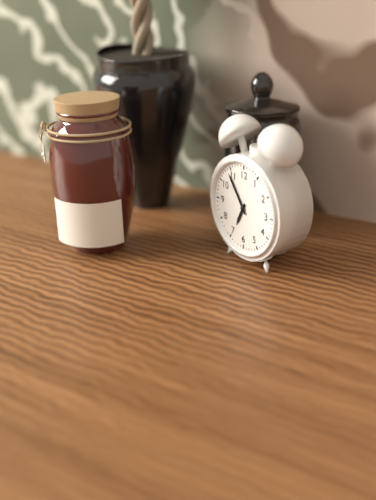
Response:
6.54
